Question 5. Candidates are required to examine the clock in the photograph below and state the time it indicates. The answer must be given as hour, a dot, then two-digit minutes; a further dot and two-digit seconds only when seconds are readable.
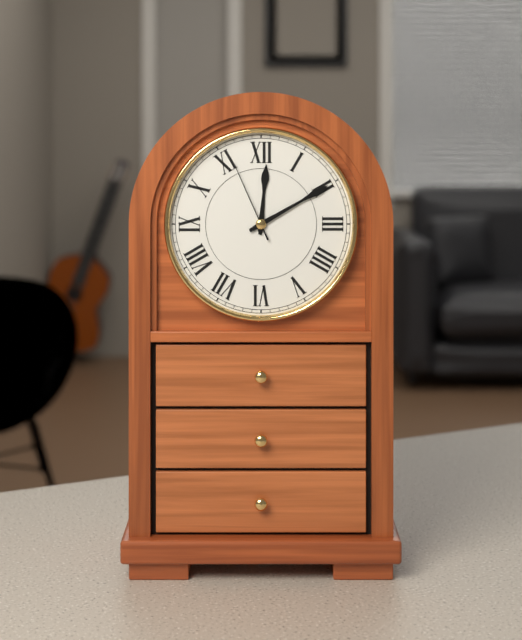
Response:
12.10.56
